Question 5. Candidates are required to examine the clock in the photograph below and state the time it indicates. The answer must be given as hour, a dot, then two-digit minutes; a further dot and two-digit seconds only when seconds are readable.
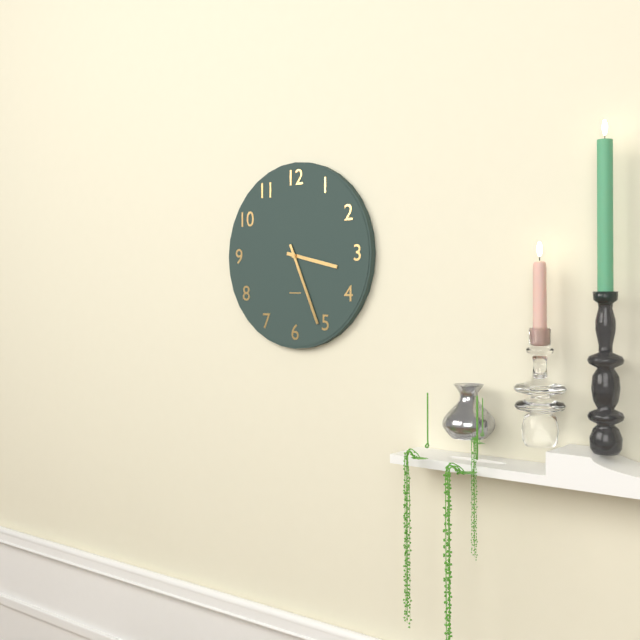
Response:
3.26
